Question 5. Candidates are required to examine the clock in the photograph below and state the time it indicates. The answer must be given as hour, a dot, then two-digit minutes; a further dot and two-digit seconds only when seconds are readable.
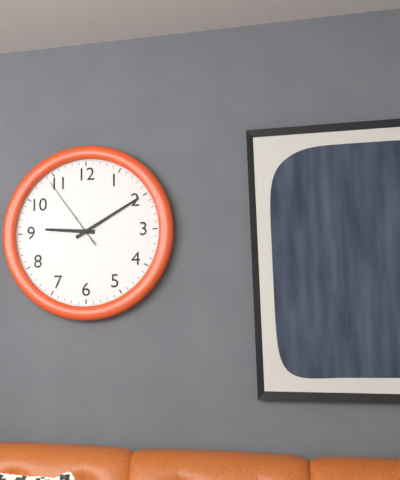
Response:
9.10.54
